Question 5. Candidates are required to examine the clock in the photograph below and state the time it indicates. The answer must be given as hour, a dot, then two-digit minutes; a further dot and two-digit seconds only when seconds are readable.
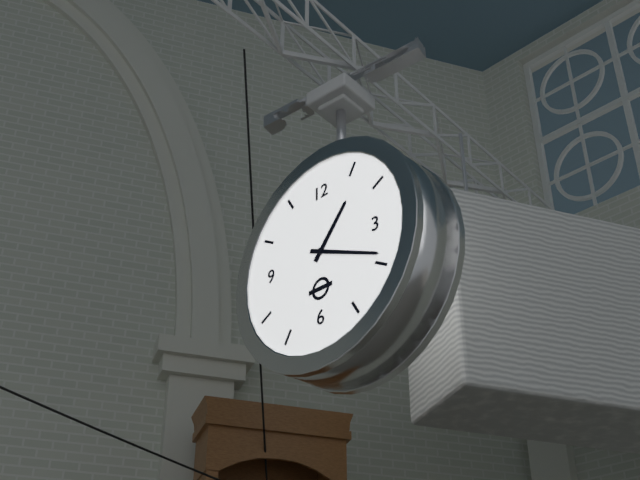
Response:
1.19
